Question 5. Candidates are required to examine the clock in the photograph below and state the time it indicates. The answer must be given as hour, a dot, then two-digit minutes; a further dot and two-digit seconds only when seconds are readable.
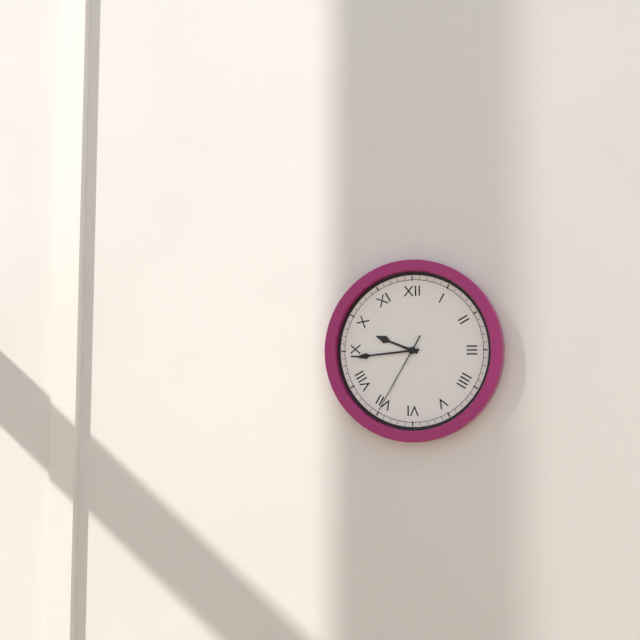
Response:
9.44.35
